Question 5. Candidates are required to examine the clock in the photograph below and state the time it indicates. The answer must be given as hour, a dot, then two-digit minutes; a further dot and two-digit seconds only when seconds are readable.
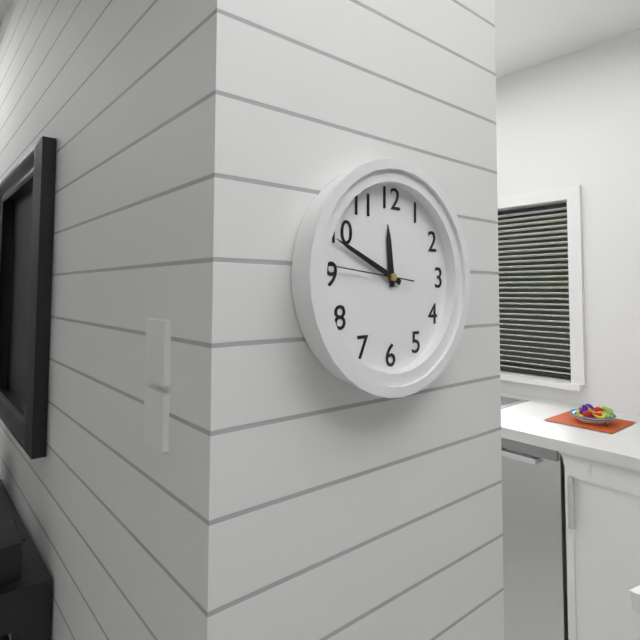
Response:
11.49.46
